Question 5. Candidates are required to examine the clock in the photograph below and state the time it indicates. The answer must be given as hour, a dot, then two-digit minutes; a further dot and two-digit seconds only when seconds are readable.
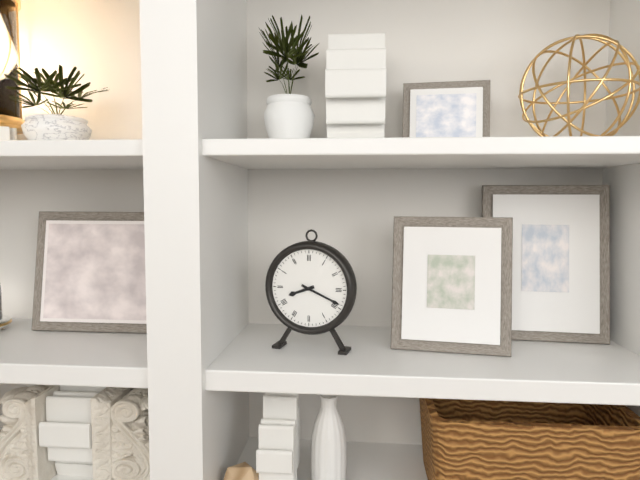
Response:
8.19
